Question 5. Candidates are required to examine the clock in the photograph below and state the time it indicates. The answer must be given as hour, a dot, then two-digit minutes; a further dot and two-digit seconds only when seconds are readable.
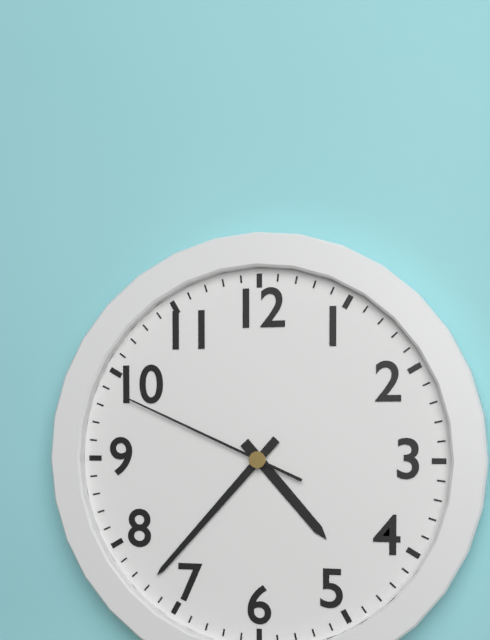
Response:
4.37.49
